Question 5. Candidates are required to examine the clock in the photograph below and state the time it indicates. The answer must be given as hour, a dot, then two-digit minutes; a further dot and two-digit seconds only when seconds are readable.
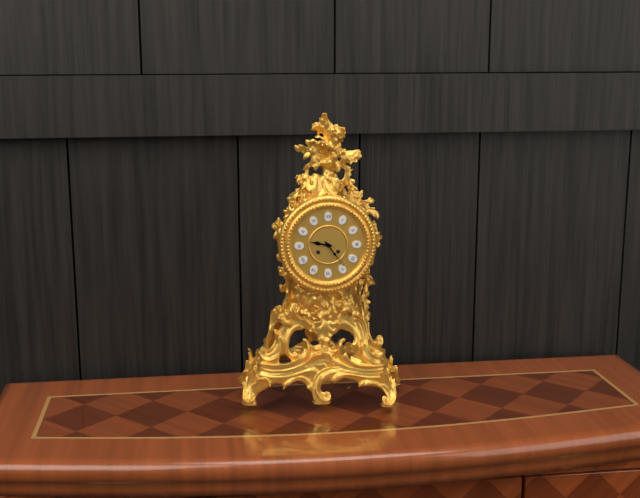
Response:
9.24
